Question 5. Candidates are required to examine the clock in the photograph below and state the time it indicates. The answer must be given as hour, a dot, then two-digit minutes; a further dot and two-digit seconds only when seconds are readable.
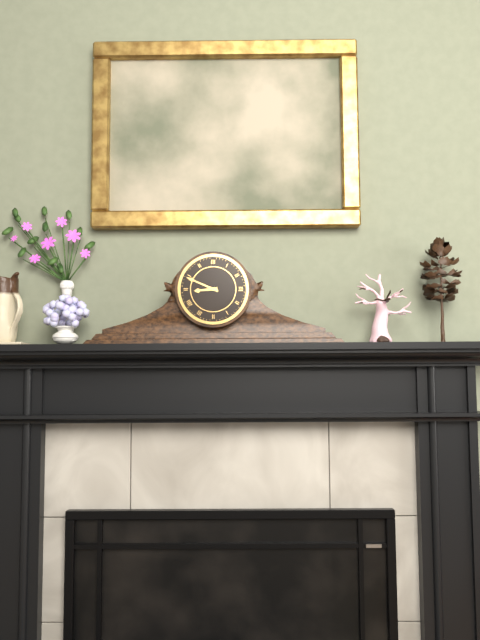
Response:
8.49
